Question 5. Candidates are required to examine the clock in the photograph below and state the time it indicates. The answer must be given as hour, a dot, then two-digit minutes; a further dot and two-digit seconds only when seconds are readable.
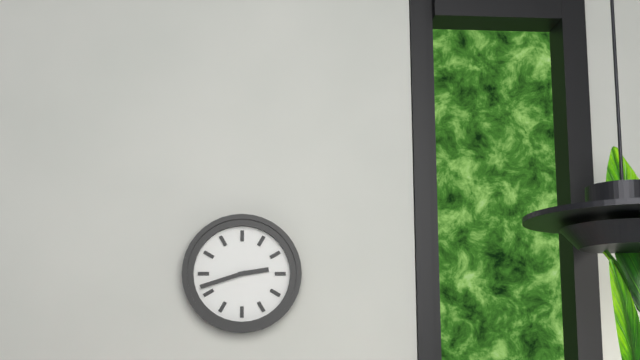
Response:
2.42
